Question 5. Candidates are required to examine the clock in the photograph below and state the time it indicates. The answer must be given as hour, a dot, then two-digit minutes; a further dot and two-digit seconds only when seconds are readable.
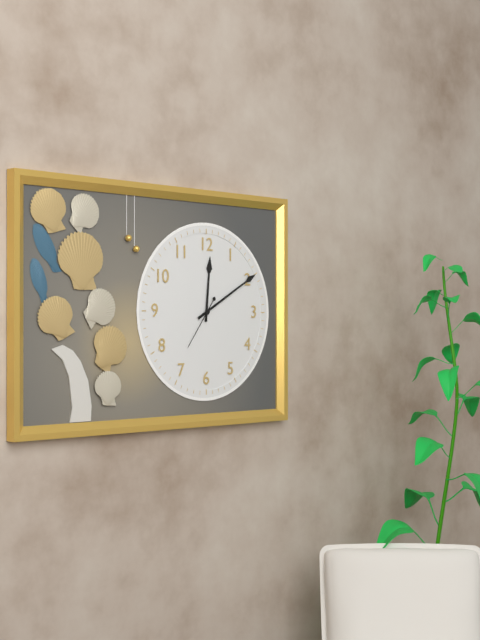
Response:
12.10.36
